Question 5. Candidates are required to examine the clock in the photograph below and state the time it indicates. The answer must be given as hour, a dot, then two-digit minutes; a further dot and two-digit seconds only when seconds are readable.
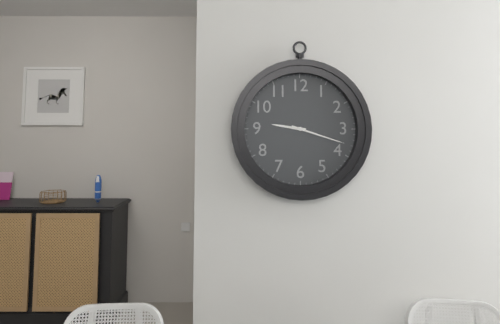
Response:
9.18
